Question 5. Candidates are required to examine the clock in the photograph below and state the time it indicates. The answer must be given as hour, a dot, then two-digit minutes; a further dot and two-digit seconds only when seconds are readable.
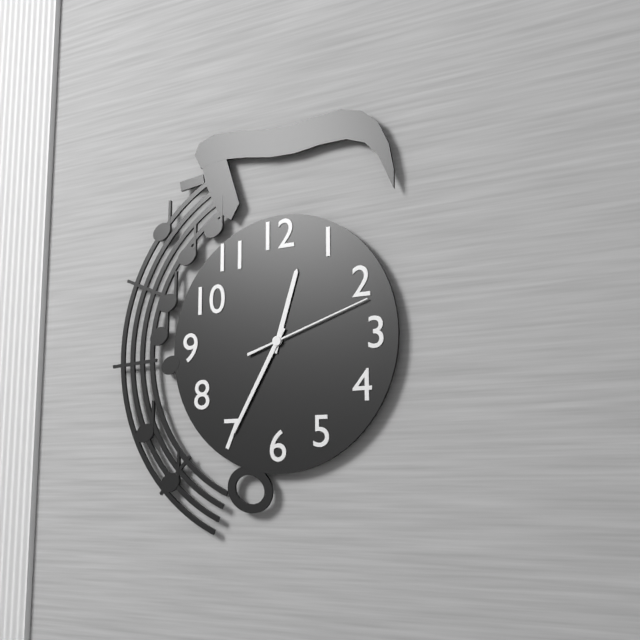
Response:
12.35.12
